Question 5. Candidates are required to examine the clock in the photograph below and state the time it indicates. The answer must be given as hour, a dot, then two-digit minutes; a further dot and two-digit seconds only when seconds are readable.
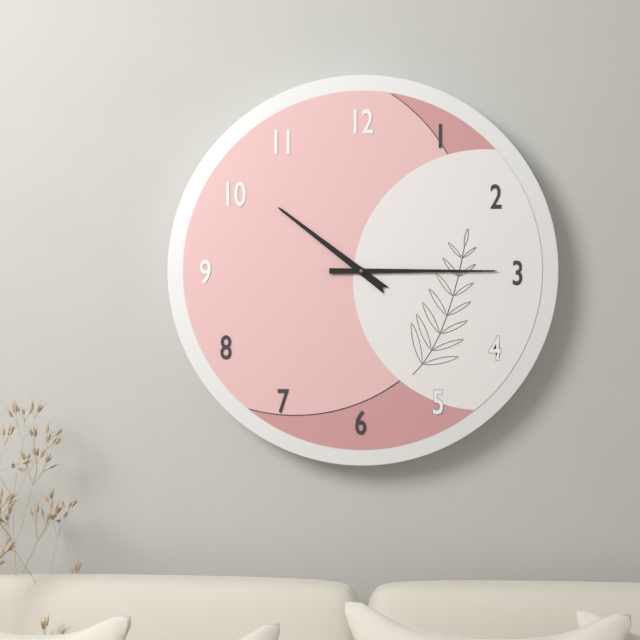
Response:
10.15
